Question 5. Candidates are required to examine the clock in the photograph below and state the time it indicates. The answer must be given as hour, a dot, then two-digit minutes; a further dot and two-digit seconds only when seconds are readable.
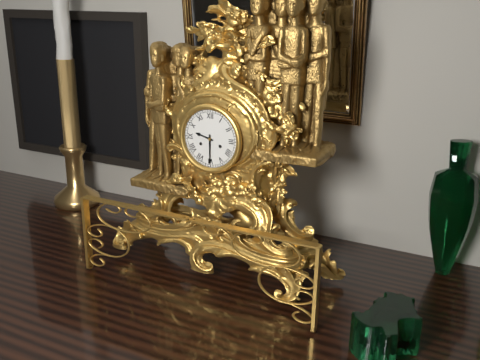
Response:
9.30
